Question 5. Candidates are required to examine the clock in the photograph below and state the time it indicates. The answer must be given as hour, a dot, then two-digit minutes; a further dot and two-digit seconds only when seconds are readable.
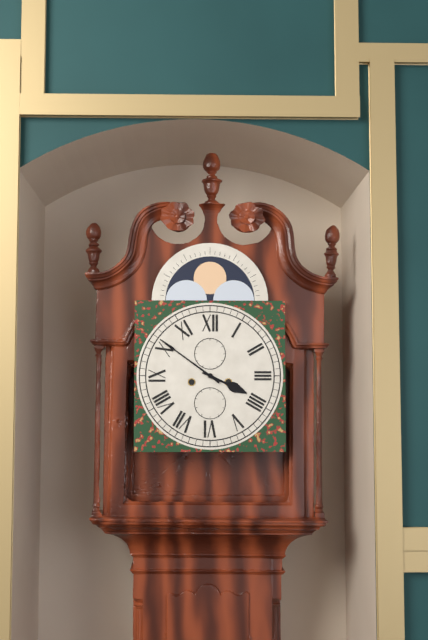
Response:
3.51
